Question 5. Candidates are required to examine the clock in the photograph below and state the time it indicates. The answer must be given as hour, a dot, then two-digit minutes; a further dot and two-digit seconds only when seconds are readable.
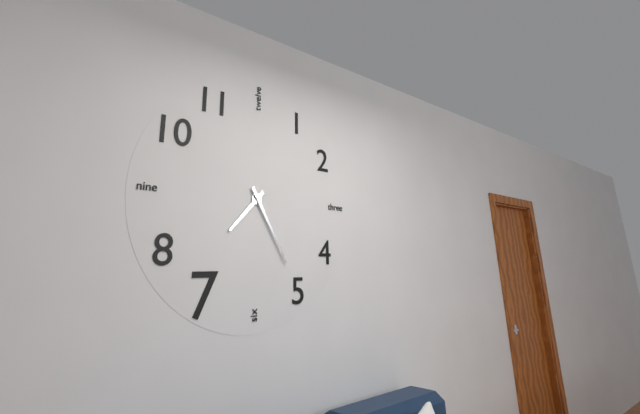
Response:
7.25
